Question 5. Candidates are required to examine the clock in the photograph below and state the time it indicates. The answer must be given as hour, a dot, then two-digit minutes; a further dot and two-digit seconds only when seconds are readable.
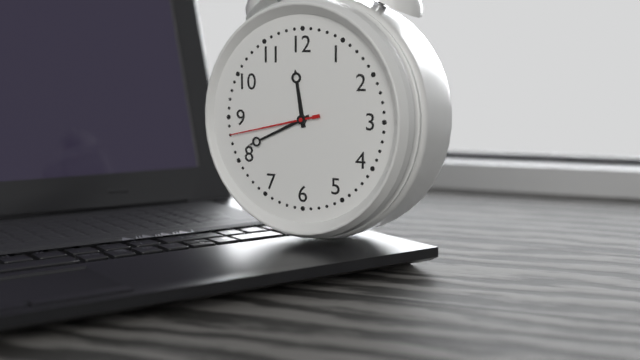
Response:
11.41.43
